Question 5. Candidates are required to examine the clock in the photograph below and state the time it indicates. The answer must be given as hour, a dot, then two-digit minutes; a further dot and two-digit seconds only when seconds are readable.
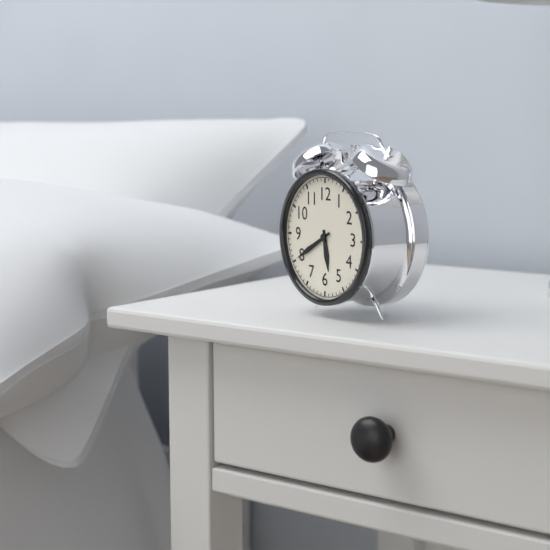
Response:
5.40
